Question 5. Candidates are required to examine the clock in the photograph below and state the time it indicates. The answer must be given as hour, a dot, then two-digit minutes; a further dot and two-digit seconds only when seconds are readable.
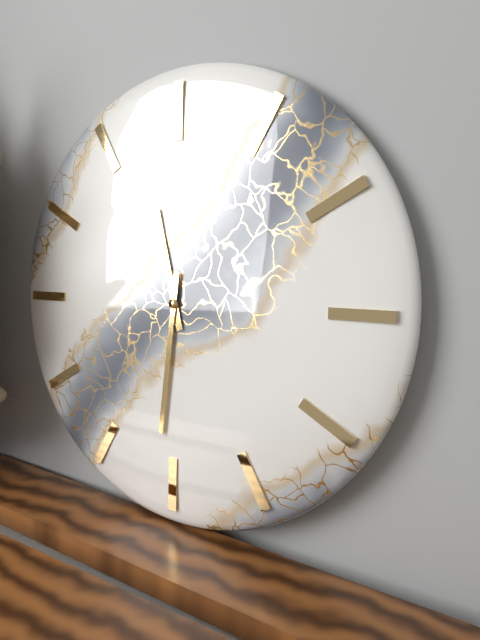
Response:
11.31
